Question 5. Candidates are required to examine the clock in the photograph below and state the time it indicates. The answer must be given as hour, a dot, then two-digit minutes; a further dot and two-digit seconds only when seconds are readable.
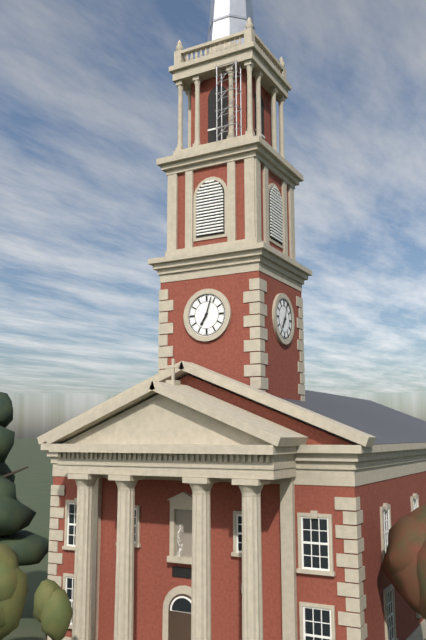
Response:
7.03
